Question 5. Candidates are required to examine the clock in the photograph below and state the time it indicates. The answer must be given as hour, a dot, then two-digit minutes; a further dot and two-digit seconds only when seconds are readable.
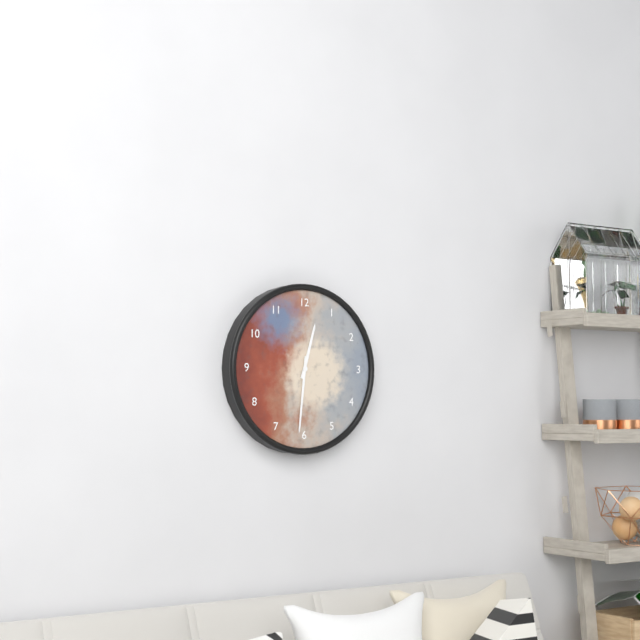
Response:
12.31
